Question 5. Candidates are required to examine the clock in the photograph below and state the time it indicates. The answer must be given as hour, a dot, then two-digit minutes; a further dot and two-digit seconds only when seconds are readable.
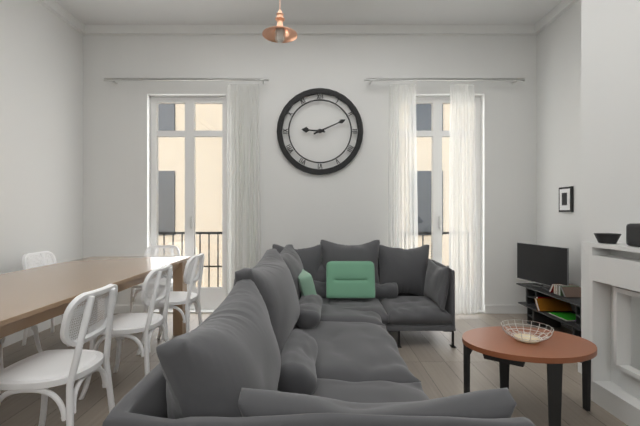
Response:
9.11
